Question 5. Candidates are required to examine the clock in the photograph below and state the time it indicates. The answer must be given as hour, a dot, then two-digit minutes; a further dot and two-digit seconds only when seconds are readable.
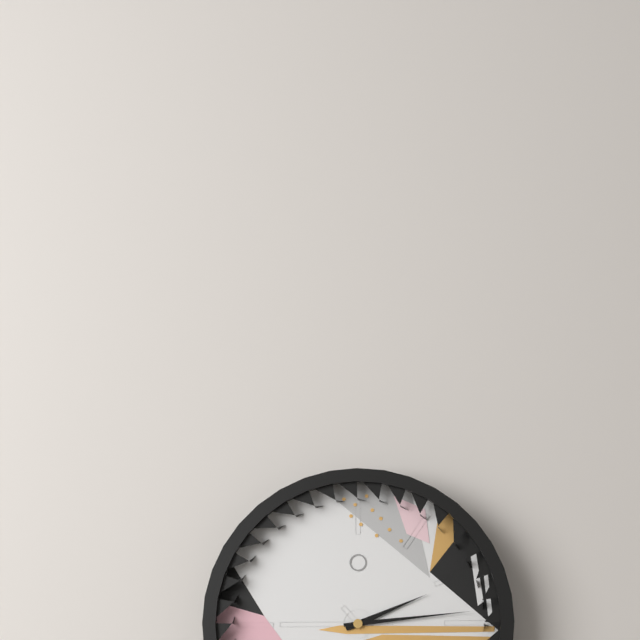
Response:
2.14
